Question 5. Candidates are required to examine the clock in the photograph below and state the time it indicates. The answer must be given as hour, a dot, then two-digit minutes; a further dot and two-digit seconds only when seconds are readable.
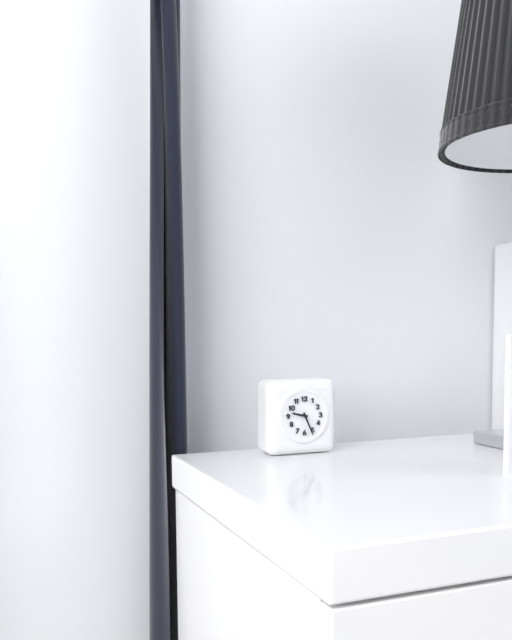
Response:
9.26
